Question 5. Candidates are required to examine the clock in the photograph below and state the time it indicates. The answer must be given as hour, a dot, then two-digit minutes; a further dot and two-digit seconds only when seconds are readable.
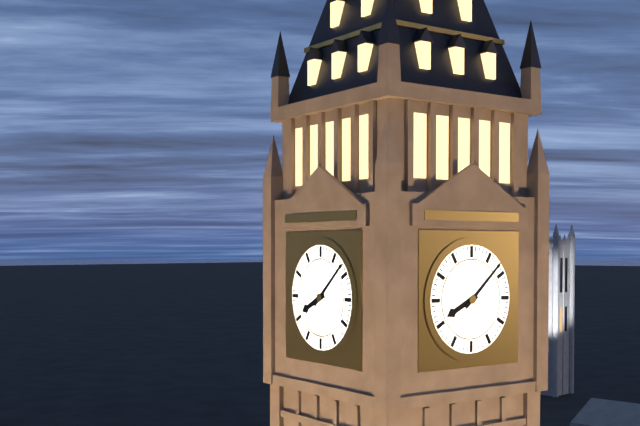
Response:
8.08
